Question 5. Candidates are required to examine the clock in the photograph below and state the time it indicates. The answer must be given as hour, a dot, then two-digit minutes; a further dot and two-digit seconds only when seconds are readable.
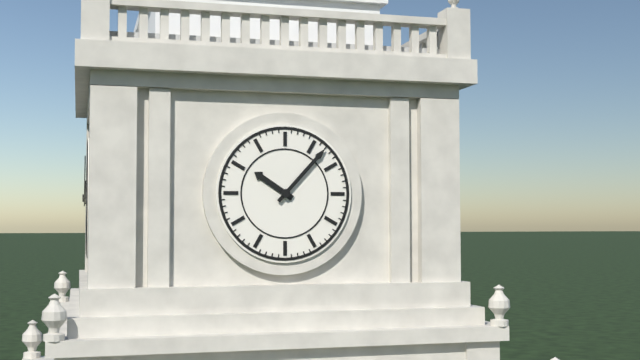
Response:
10.07
